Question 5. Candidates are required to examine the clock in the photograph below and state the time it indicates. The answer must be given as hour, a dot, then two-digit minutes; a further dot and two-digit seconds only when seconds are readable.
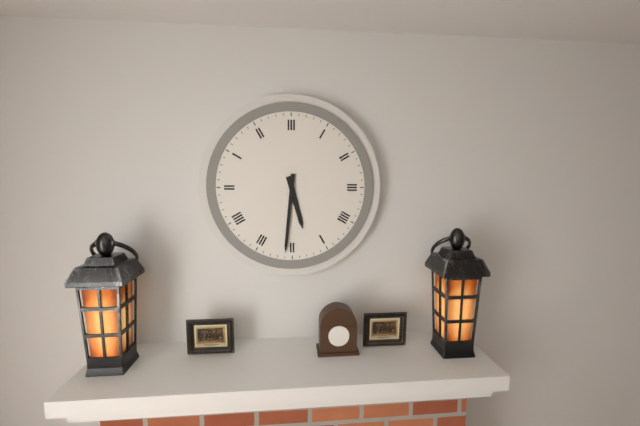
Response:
5.31
